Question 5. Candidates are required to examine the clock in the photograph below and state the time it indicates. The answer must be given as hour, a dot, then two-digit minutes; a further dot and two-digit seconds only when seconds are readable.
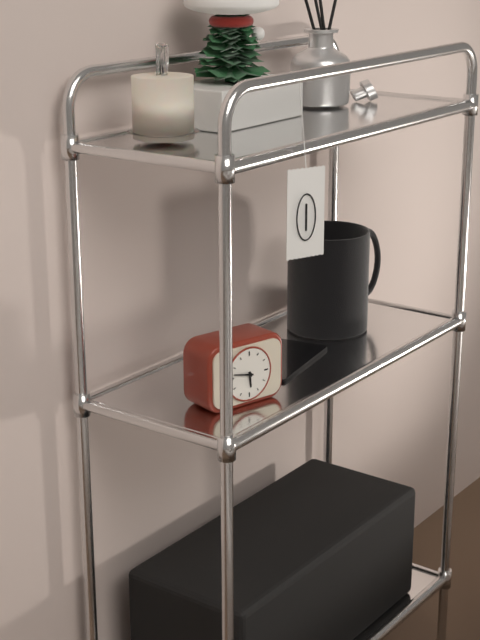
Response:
5.47
